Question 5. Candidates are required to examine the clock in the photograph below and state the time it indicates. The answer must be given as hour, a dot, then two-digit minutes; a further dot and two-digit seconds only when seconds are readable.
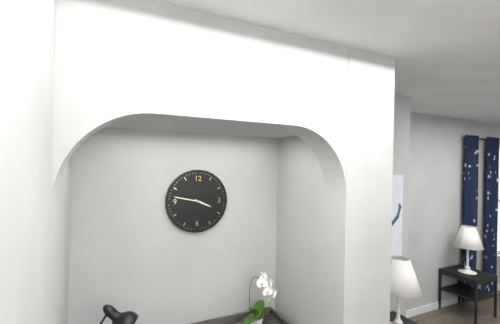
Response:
3.47
